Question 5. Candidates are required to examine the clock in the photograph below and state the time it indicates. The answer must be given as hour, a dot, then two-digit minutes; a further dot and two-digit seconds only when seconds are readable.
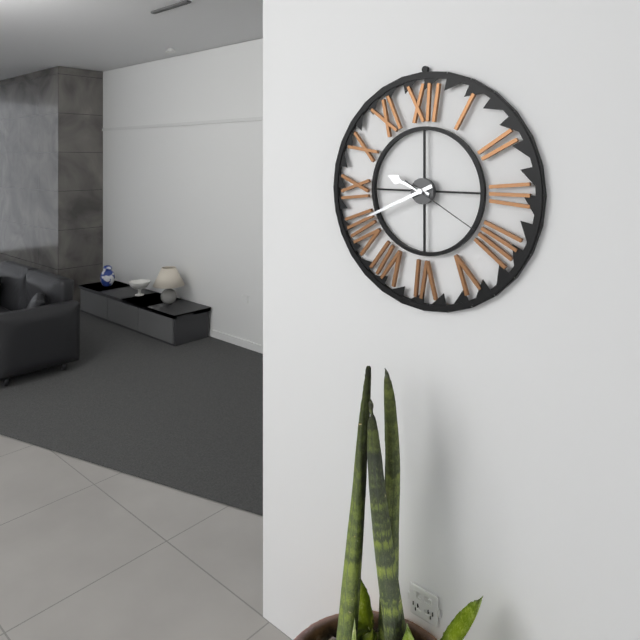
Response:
9.41.20
